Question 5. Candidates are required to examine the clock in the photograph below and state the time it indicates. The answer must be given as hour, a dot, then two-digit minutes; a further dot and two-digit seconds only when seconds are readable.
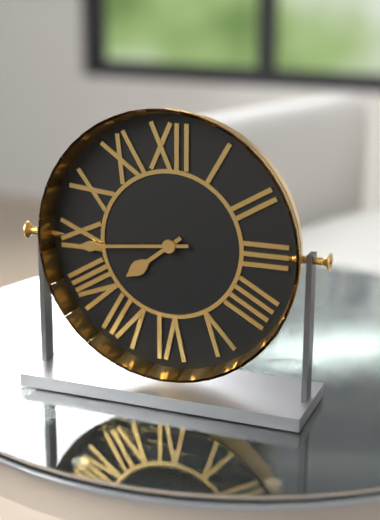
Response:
7.44
